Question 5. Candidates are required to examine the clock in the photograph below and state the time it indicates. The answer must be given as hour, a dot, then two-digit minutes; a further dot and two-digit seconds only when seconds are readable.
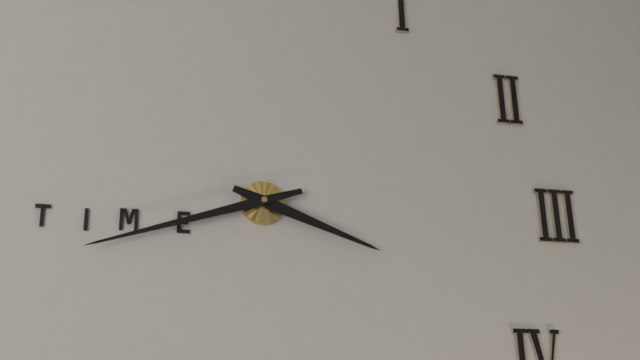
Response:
3.42
